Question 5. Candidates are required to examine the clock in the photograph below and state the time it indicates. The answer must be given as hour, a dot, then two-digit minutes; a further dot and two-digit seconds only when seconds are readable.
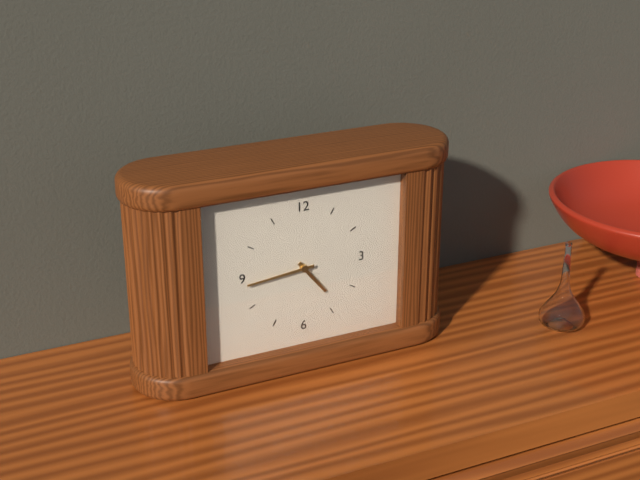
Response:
4.44
